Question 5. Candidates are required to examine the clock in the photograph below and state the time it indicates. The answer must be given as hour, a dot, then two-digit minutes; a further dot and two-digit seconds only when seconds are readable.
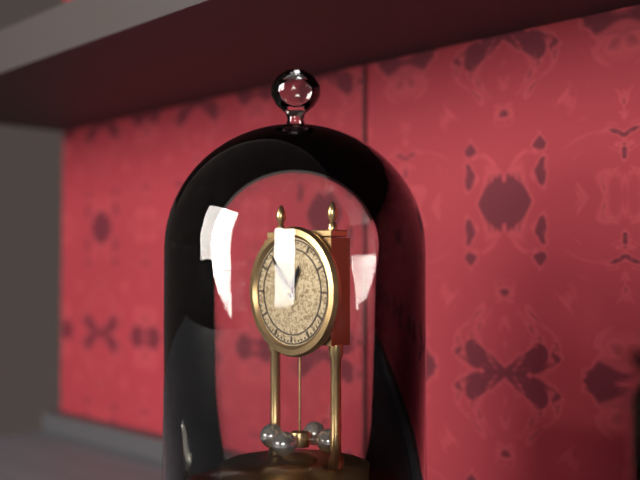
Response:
12.54
